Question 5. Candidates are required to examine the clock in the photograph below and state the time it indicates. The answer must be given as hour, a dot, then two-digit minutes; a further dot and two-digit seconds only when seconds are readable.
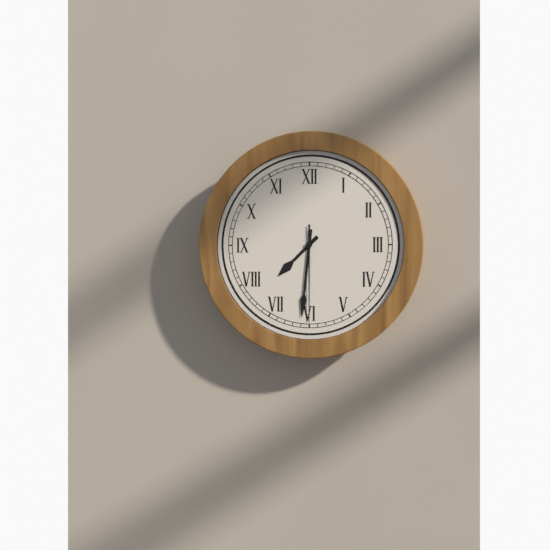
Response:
7.31.30
